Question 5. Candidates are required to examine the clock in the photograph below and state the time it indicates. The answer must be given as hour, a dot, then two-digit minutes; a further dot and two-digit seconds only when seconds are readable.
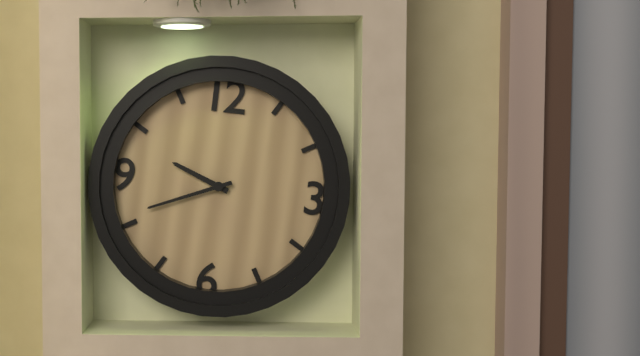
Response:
9.41
